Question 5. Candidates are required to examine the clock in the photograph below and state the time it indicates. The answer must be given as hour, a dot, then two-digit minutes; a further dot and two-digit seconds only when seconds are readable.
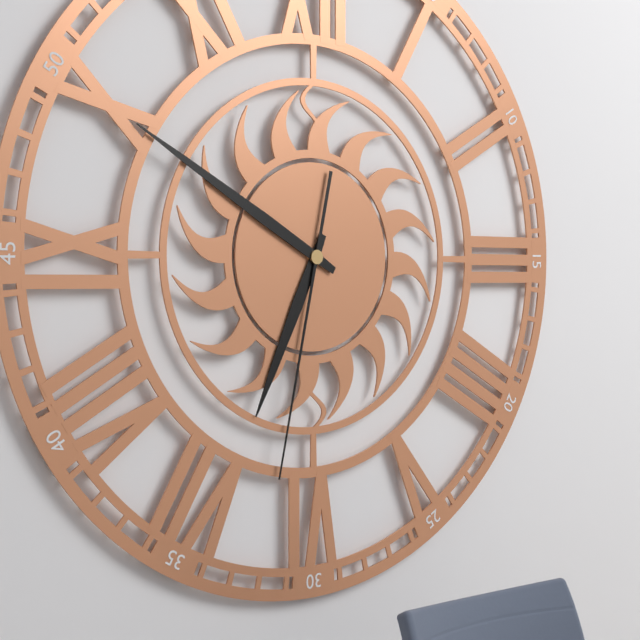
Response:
6.50.32
